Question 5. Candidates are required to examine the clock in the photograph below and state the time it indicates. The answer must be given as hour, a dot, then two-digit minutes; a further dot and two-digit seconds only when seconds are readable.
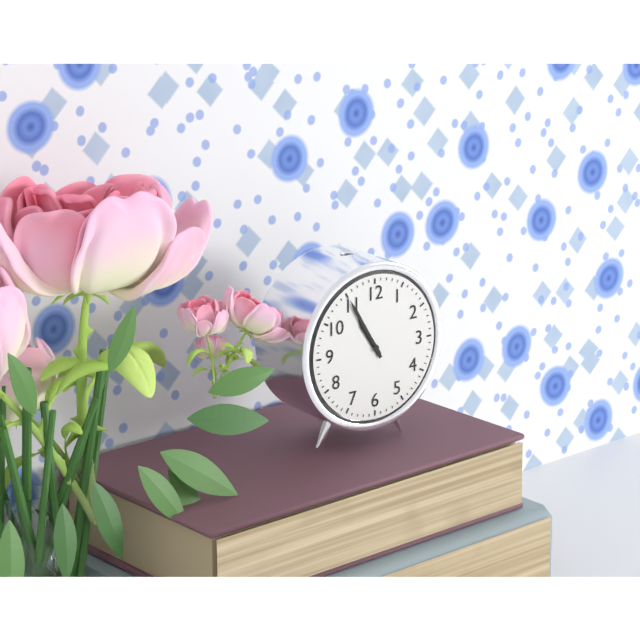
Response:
10.55
